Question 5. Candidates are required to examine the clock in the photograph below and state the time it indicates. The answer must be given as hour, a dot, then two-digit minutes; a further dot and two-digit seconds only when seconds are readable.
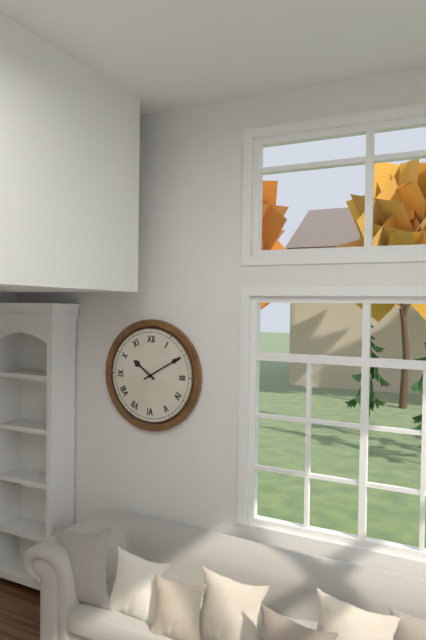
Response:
10.10
